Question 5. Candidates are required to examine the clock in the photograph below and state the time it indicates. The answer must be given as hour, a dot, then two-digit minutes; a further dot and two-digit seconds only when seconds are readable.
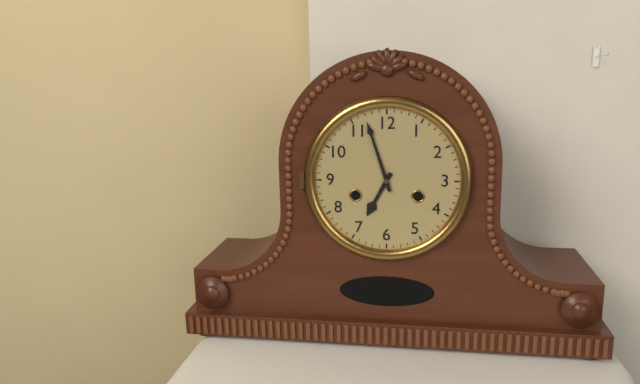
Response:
6.57
